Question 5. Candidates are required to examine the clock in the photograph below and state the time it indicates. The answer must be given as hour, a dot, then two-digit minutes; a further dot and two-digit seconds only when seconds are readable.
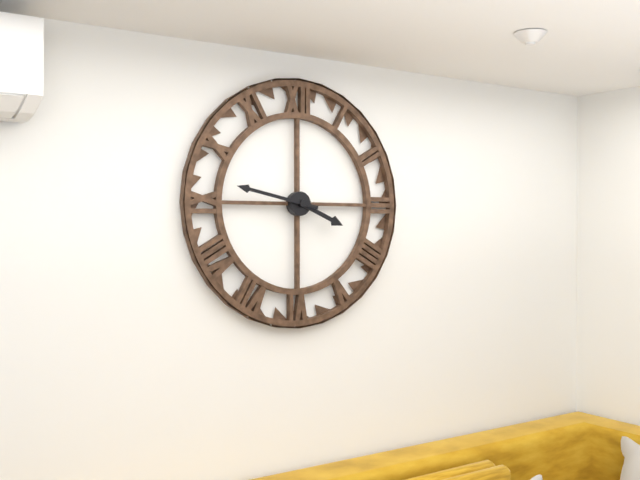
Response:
3.47
